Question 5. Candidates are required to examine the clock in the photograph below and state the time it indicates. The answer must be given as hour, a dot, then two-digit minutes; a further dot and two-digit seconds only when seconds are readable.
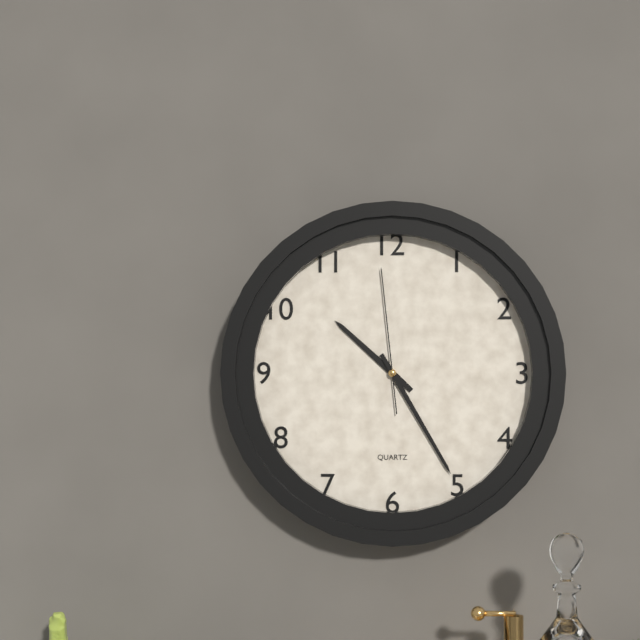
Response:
10.25.59
